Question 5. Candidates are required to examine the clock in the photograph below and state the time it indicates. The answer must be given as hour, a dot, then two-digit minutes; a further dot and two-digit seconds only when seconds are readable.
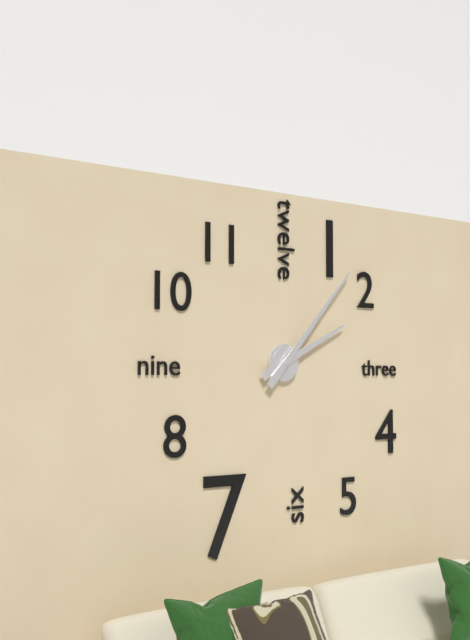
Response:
2.07
